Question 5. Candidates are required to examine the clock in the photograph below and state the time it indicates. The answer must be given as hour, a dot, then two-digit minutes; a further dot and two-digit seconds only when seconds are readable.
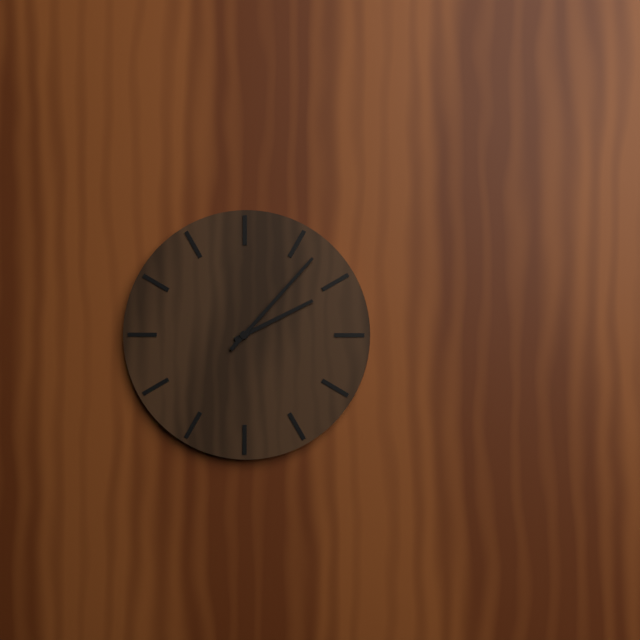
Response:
2.07
